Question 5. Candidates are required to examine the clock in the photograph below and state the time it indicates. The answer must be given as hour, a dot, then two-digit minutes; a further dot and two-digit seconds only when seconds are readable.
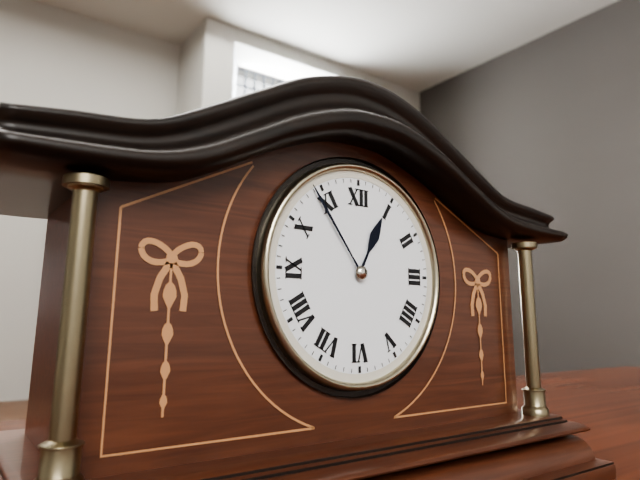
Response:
12.54
